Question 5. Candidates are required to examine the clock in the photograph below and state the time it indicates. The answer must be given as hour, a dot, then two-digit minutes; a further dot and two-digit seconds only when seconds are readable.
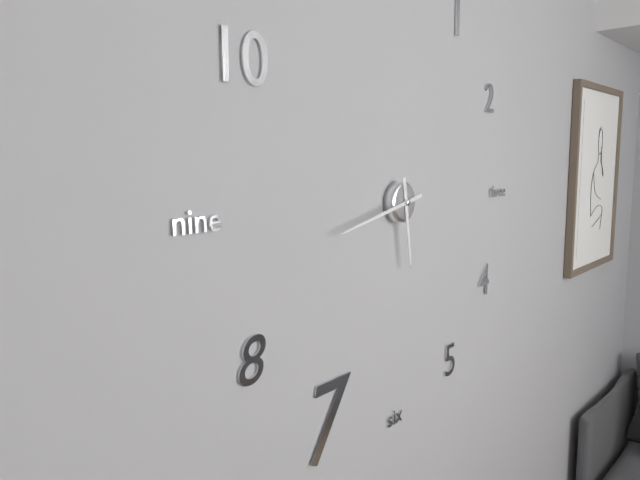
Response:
5.43
